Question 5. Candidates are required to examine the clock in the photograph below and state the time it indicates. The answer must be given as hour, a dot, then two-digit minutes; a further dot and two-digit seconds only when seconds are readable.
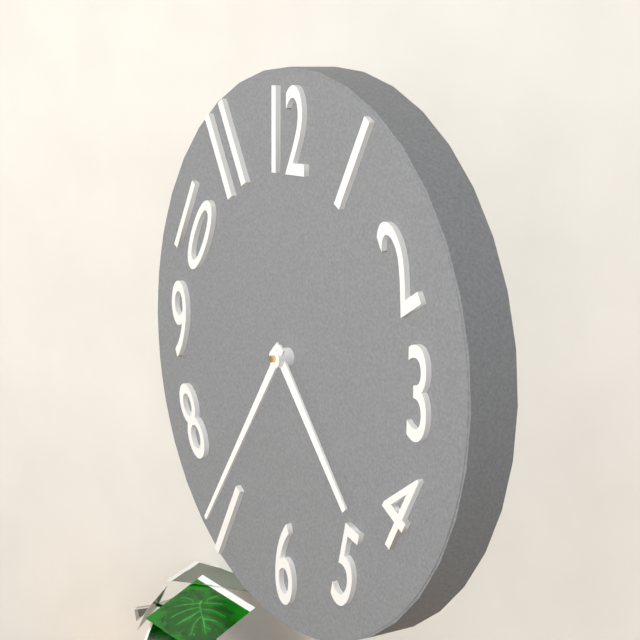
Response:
4.36
